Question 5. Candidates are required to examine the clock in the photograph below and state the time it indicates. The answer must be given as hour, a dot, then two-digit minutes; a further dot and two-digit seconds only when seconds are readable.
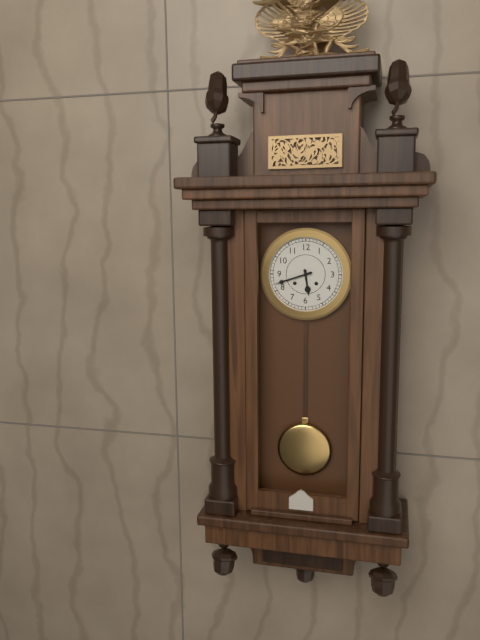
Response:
5.42
